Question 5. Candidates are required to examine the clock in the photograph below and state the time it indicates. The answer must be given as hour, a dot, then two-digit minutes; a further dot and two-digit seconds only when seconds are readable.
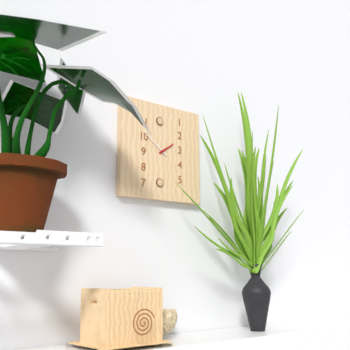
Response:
1.51
